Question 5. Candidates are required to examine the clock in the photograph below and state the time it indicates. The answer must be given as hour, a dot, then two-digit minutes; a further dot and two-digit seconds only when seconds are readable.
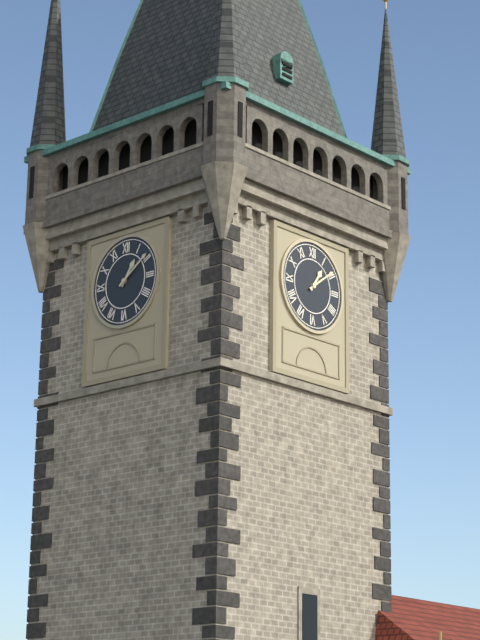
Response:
1.09
